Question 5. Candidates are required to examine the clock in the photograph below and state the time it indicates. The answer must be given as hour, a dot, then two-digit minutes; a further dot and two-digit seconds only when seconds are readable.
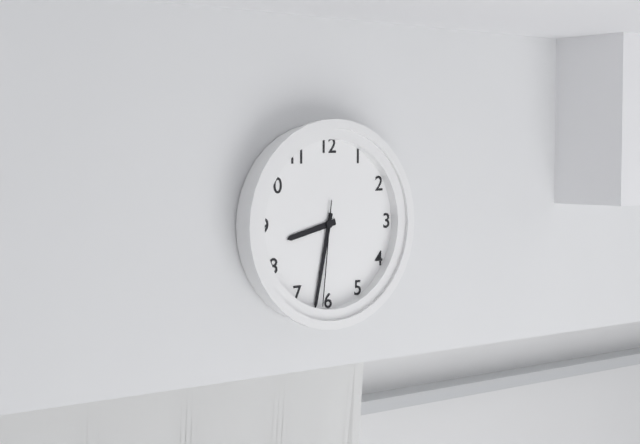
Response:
8.32.31
